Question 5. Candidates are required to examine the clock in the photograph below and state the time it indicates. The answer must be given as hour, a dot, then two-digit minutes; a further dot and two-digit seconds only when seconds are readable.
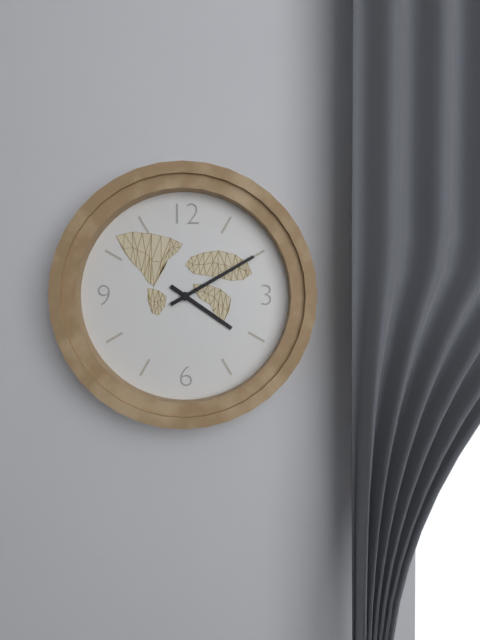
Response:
4.10
